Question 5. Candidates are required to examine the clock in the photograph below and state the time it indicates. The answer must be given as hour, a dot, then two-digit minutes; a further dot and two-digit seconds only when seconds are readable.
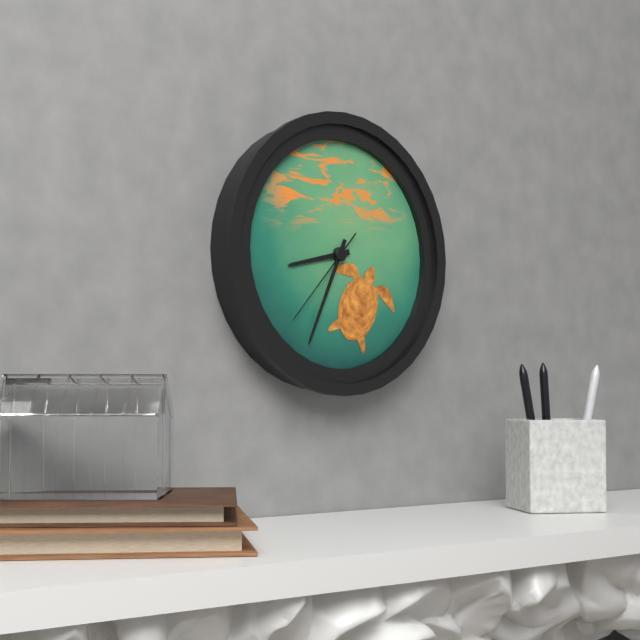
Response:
8.34.37
